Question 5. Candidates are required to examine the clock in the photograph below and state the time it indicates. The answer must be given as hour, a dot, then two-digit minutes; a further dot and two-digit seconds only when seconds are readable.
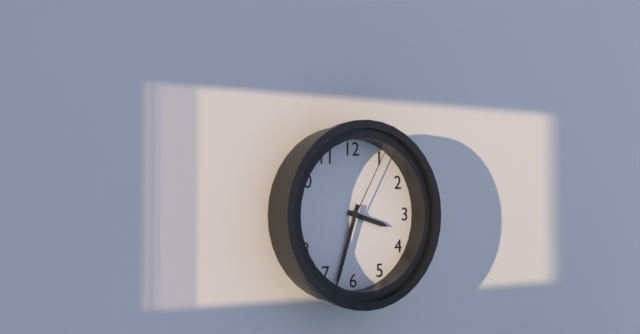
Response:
3.33.05
